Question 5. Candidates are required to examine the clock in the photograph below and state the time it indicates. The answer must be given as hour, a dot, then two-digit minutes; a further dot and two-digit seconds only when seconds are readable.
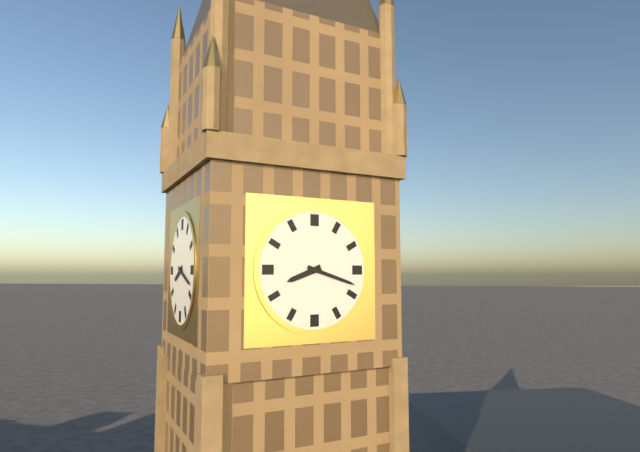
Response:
8.18
